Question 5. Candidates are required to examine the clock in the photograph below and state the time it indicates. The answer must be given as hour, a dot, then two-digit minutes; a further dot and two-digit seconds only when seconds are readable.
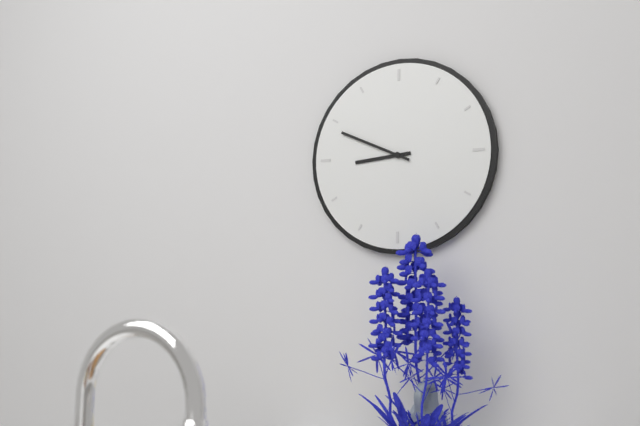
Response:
8.49
